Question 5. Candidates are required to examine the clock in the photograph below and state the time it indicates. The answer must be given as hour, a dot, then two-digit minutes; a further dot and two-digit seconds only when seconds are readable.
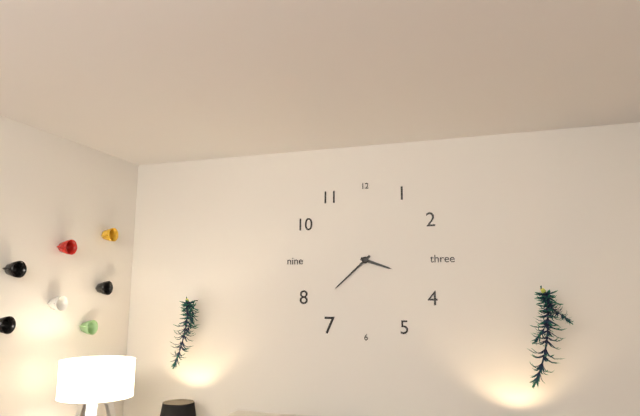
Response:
3.38
